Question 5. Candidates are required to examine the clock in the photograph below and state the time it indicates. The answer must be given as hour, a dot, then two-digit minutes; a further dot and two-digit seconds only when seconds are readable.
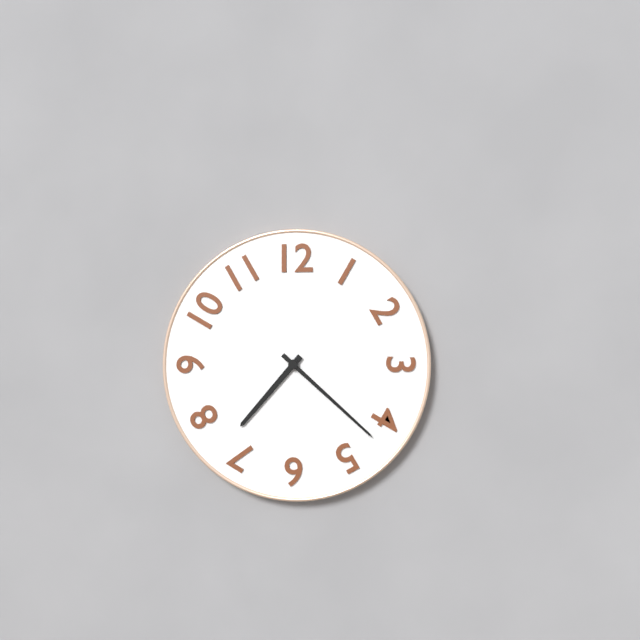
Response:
7.22
